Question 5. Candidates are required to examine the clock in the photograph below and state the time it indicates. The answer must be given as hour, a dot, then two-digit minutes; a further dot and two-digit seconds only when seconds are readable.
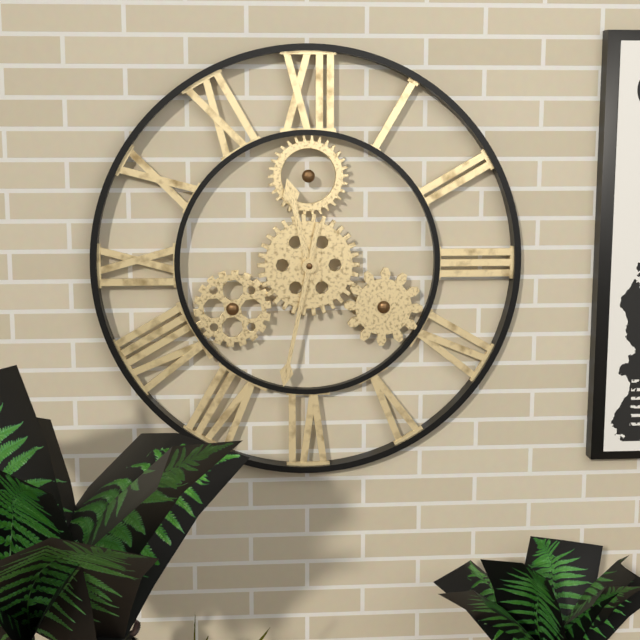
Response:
11.32
